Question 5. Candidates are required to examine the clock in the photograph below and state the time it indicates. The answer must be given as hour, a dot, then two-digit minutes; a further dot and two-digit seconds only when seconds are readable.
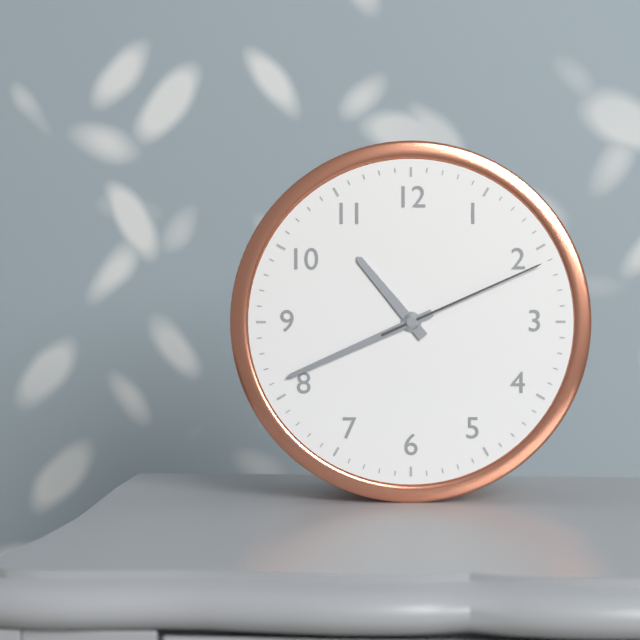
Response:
10.41.11
